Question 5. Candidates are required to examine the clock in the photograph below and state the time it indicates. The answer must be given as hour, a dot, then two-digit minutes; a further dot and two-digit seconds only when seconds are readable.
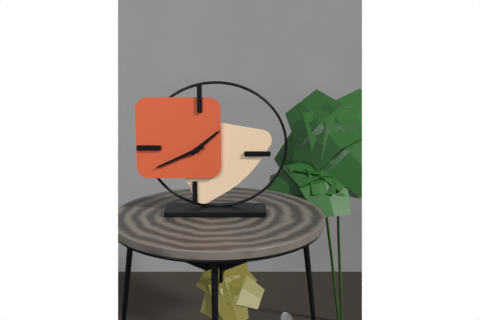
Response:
1.41
